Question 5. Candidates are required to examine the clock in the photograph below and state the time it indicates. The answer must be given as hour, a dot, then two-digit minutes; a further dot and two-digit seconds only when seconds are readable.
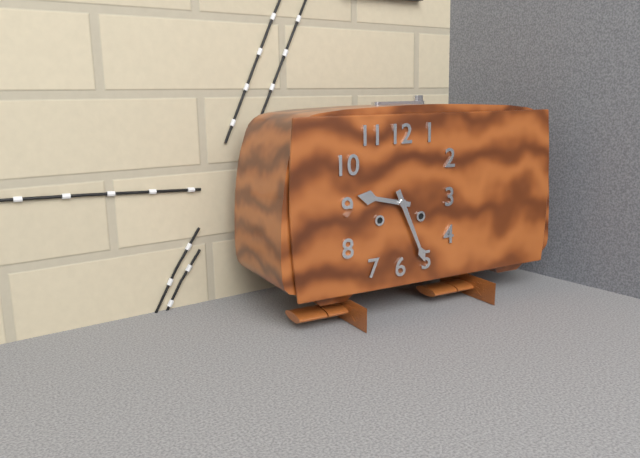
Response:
9.26
